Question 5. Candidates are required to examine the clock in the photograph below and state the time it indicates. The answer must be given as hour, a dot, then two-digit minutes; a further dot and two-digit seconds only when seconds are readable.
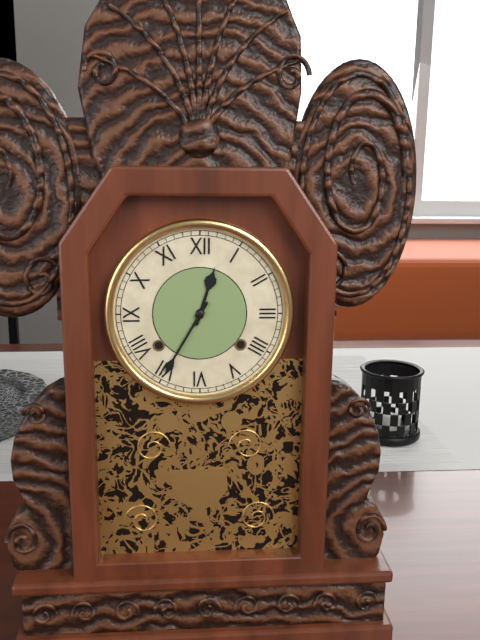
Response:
12.35
